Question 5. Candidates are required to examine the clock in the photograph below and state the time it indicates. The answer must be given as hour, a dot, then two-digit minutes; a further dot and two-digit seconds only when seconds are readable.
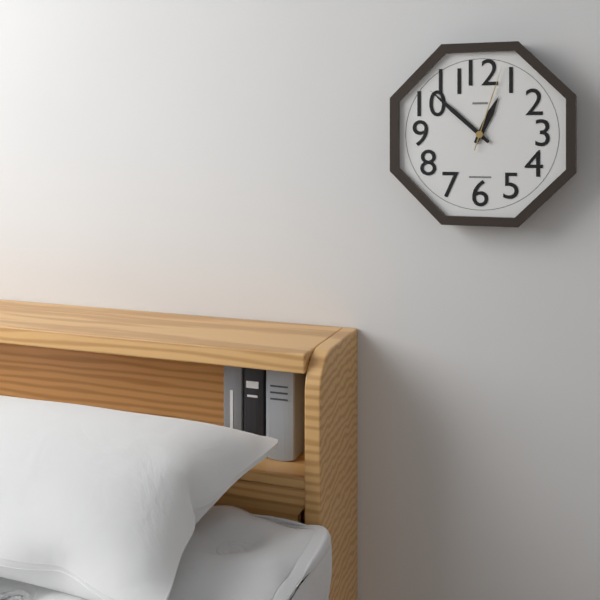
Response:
12.52.03
